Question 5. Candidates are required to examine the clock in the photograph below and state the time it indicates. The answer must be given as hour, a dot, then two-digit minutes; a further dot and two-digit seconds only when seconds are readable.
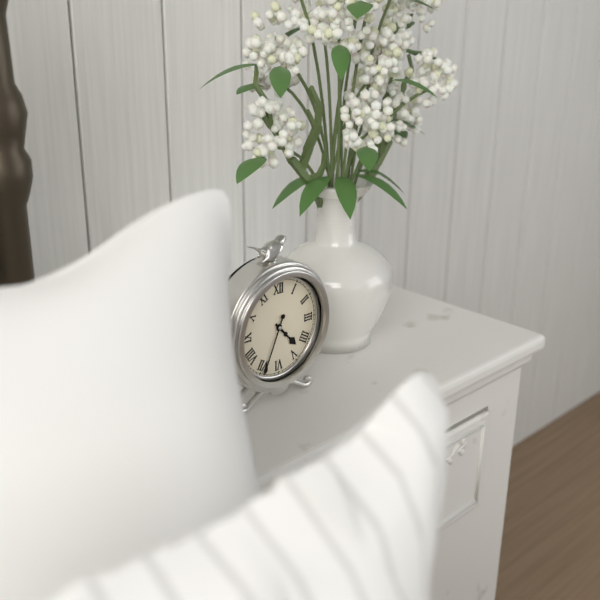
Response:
4.34
